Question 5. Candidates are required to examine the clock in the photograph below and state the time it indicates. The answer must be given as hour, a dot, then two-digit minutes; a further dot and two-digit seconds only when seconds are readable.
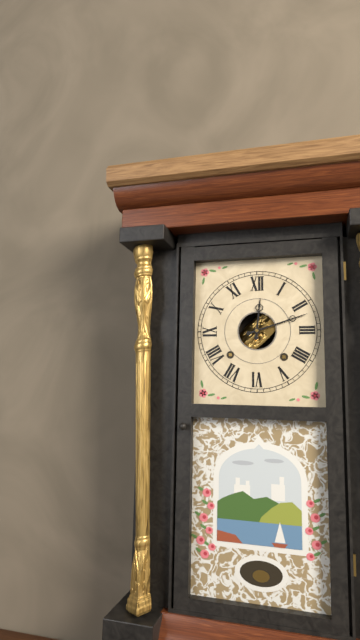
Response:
12.12
